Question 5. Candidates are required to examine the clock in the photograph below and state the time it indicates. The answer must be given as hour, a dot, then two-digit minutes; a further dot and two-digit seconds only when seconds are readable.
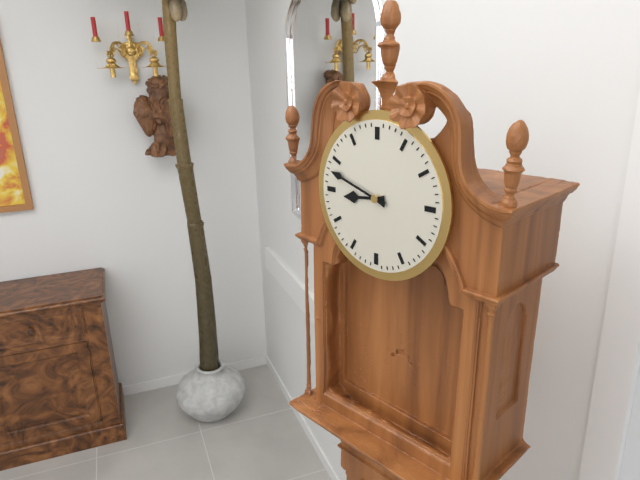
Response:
8.48
